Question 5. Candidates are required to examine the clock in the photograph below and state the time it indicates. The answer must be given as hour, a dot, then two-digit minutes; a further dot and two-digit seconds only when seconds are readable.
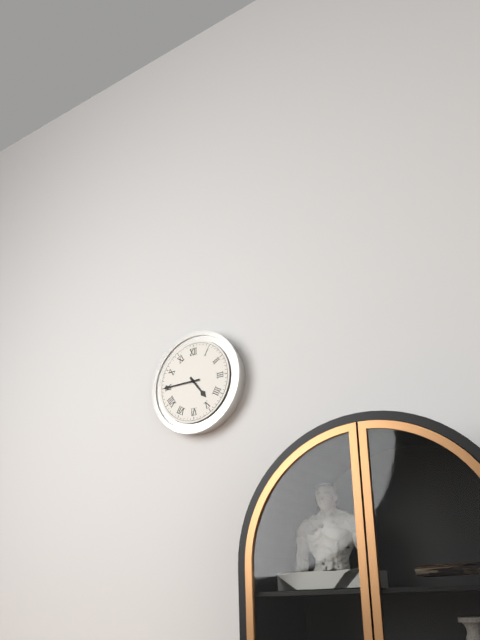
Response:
4.45
